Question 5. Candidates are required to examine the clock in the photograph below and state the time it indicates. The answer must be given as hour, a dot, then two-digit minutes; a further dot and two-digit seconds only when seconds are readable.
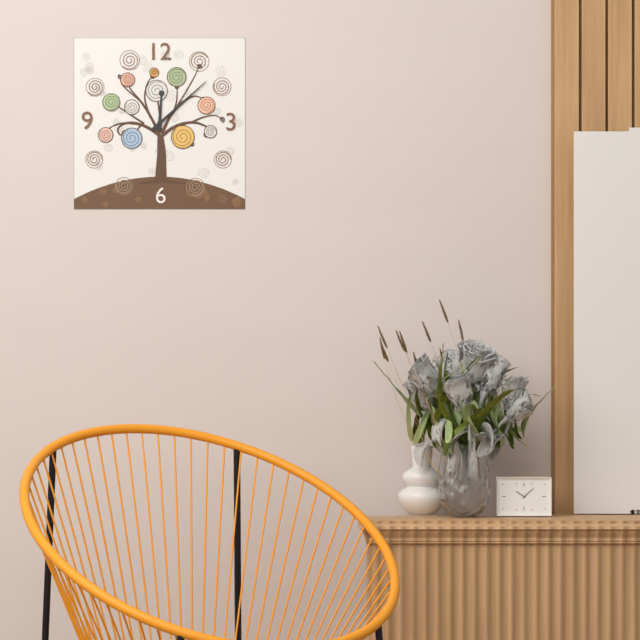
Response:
12.08
